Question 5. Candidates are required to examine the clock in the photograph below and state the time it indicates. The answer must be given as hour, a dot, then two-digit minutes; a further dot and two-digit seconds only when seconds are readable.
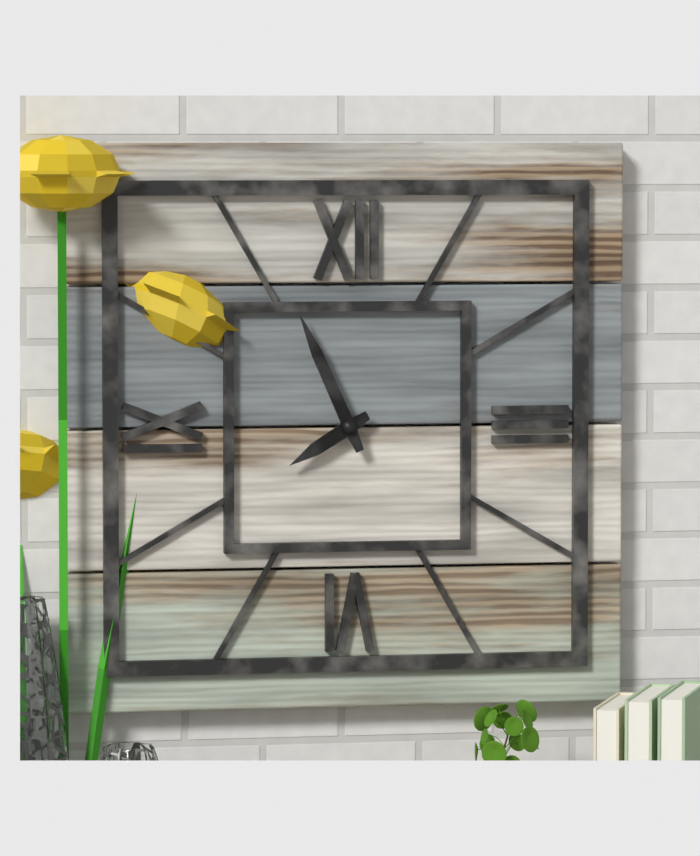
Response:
7.56
